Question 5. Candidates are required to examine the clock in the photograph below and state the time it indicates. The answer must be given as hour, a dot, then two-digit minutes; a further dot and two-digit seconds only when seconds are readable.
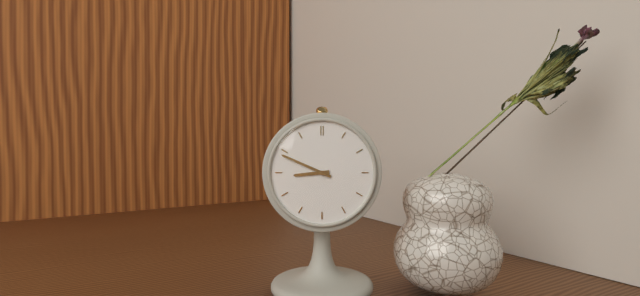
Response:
8.49
